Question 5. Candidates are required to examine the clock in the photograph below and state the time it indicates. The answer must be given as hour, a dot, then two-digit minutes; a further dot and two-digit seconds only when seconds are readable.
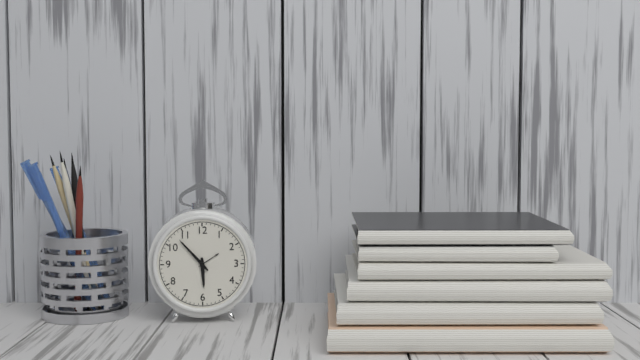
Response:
5.53
